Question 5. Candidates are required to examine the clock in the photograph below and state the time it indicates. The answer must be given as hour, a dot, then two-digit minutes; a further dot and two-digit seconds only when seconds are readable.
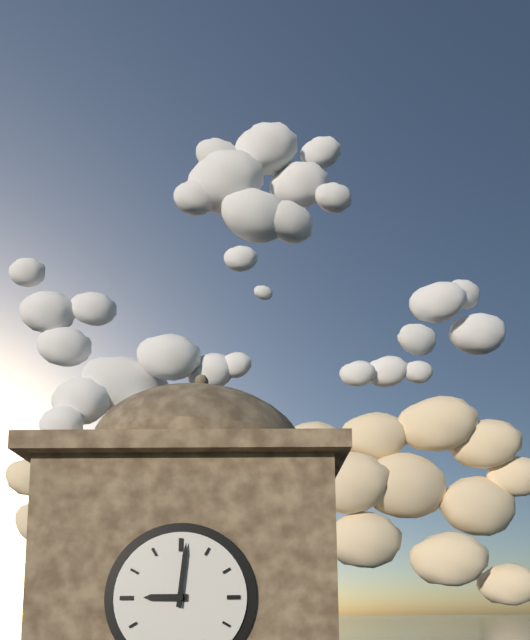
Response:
9.01
